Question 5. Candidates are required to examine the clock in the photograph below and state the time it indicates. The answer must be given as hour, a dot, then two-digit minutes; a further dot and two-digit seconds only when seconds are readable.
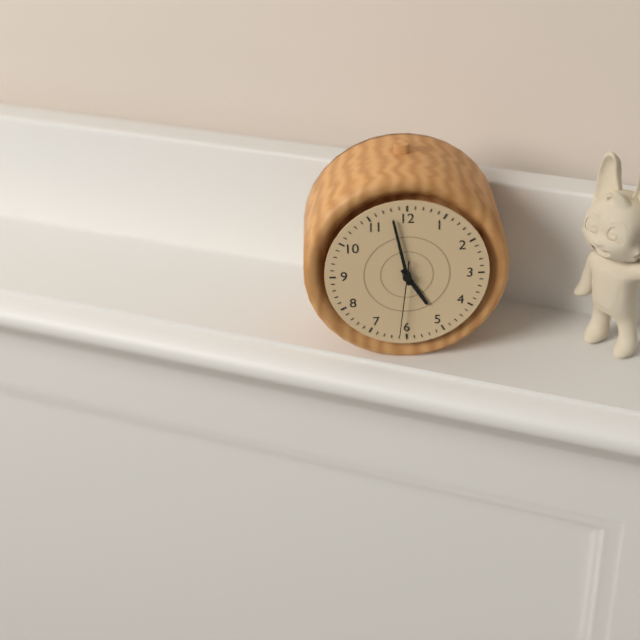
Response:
4.58.31
